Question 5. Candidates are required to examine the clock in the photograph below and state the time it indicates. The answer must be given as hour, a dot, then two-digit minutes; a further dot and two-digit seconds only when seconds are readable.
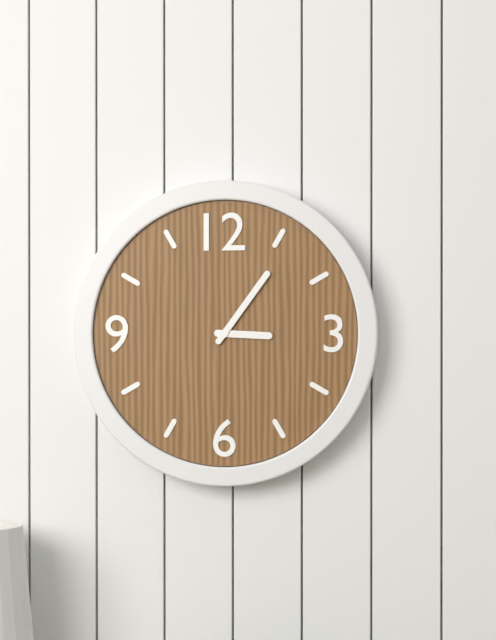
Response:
3.06
